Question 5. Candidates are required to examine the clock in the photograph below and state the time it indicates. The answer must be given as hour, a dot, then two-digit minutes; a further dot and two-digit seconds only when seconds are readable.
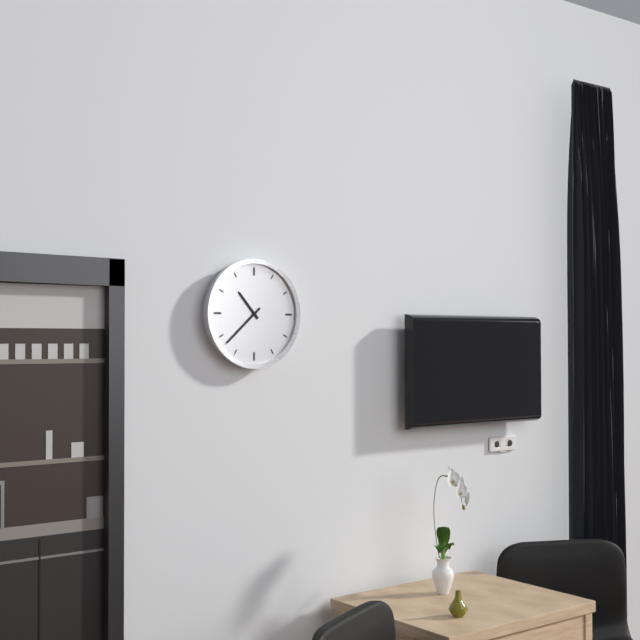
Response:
10.38
